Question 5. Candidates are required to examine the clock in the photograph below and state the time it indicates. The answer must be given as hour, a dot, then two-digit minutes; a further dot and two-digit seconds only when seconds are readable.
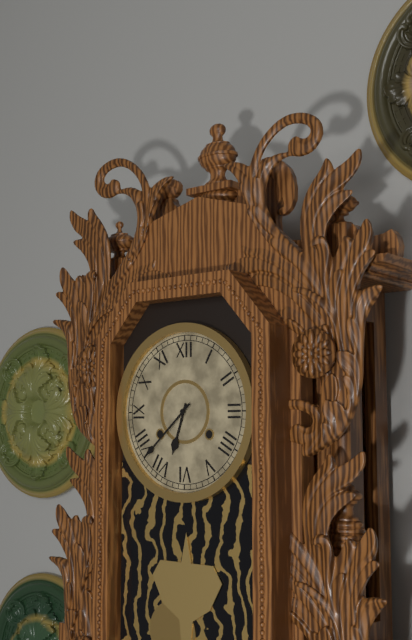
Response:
6.38
